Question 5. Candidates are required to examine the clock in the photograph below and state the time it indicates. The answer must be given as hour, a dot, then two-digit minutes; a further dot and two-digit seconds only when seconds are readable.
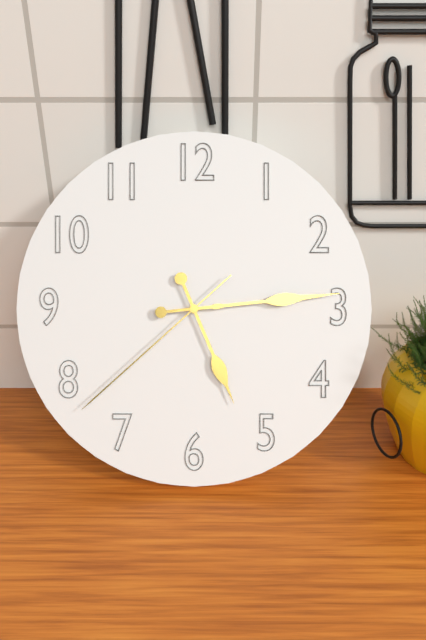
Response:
5.14.38
